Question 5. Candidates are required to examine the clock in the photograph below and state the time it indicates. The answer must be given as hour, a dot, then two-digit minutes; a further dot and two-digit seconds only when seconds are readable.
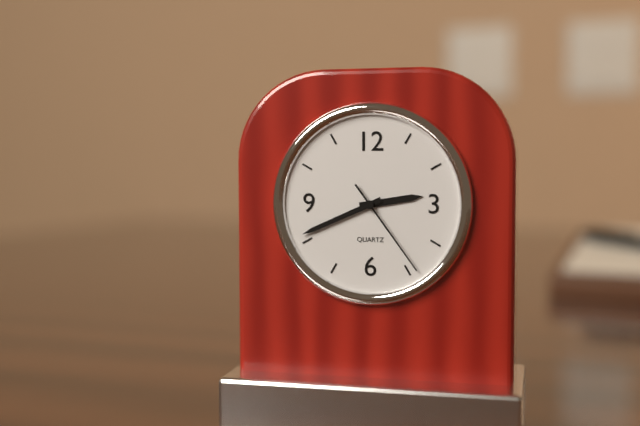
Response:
2.41.24
